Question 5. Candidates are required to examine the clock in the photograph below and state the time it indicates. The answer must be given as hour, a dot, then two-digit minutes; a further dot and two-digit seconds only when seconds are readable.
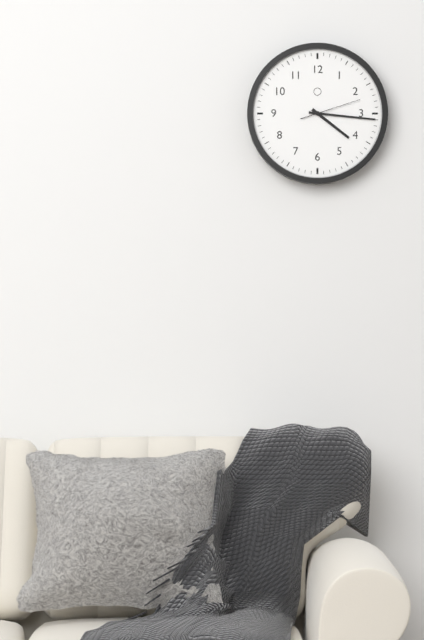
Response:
4.16.12
